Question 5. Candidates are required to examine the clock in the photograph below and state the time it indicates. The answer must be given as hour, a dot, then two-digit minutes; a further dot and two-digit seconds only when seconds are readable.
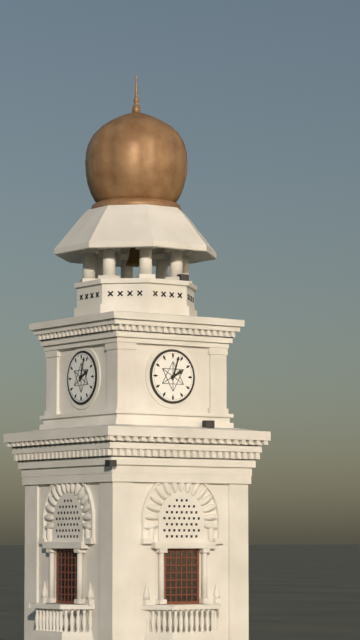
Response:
2.03
